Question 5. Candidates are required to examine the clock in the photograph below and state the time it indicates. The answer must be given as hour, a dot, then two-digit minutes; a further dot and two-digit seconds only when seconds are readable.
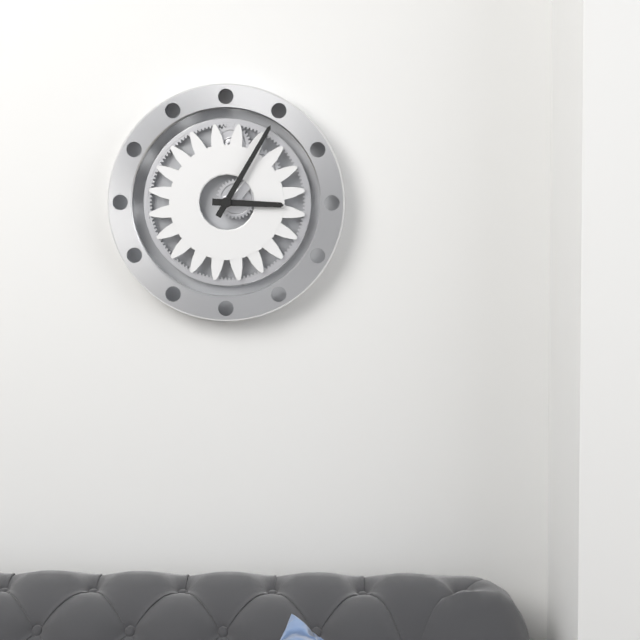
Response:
3.05
